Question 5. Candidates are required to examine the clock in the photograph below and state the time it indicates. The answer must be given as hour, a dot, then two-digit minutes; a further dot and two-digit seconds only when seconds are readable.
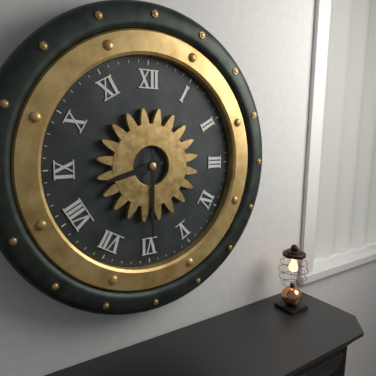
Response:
8.30
